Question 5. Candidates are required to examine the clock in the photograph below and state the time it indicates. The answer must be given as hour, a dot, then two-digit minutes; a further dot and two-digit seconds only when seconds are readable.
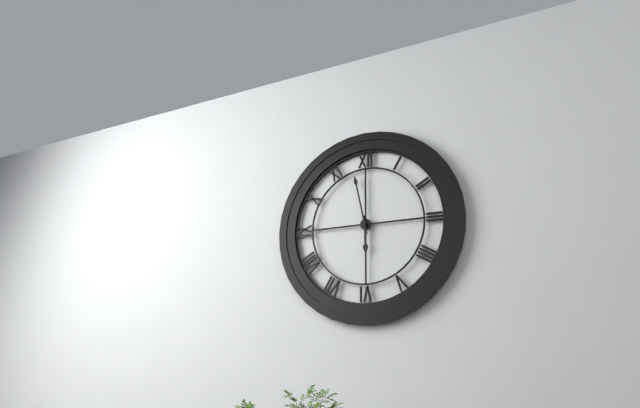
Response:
5.58
